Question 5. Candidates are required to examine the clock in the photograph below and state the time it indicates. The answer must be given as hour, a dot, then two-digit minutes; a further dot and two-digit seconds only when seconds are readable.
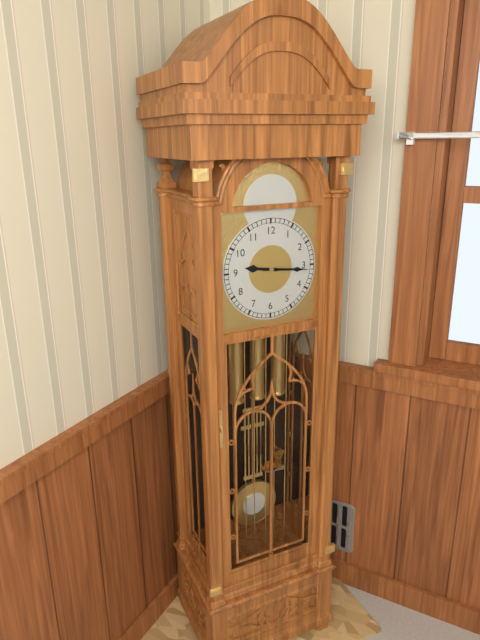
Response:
9.16
